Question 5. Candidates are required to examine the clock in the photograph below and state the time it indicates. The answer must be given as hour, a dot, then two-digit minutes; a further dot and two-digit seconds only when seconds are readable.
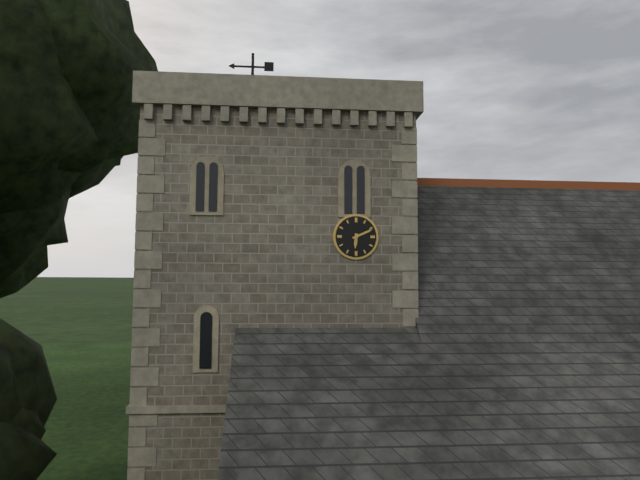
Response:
6.11
